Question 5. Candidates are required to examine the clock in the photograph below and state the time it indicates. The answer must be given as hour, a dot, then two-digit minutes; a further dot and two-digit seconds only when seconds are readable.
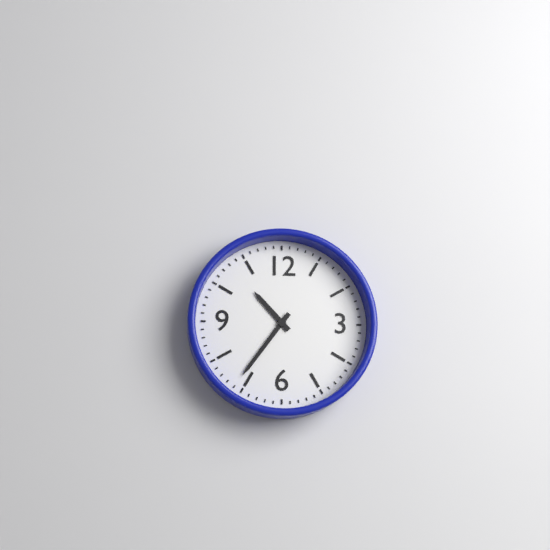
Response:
10.36
